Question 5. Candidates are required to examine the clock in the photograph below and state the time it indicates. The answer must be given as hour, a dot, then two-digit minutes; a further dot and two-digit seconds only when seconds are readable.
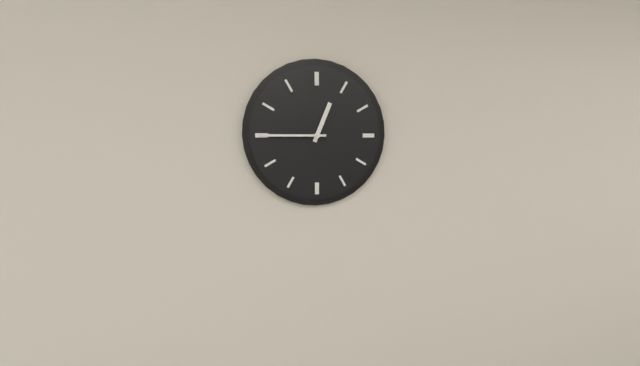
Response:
12.45
